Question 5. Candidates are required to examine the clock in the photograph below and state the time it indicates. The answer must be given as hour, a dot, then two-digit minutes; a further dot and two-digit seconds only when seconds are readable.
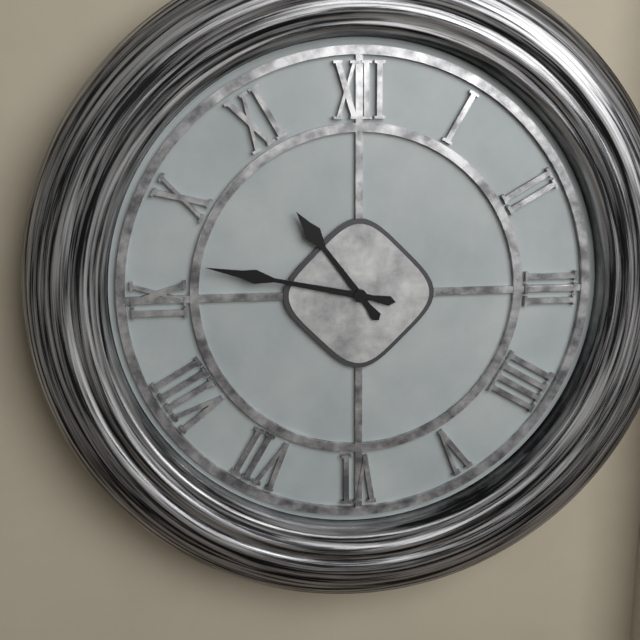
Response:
10.47
